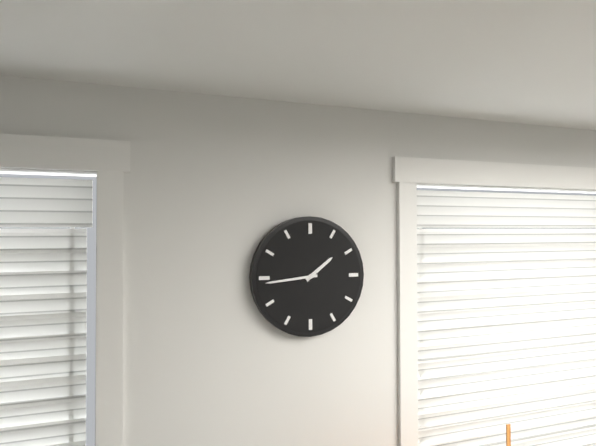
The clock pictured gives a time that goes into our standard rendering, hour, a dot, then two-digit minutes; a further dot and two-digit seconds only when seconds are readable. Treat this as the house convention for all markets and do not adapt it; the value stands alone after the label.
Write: 1.44
